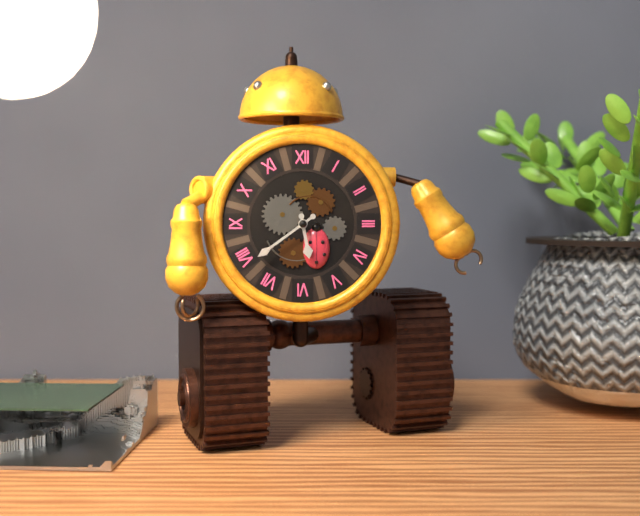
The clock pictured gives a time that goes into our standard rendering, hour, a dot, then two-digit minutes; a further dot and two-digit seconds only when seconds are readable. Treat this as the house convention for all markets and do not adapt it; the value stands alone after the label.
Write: 5.39
